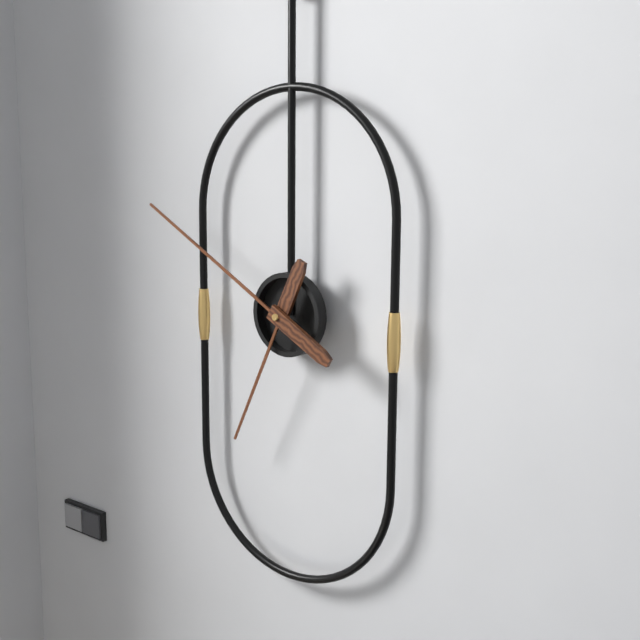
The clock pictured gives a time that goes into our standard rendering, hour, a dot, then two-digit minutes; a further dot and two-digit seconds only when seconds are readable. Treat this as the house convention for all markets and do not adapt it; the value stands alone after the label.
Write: 6.50
